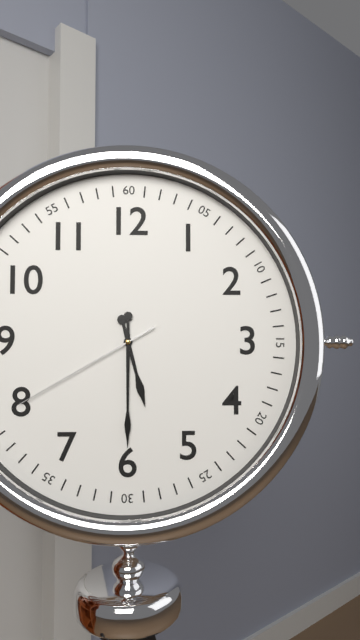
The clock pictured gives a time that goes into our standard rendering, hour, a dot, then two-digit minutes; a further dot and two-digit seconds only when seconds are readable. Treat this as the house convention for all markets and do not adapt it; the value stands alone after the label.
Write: 5.30.40
